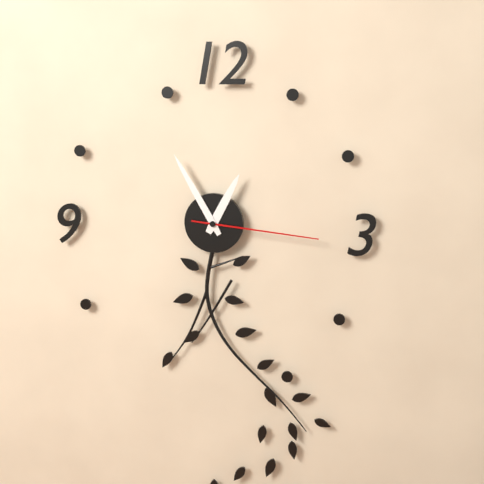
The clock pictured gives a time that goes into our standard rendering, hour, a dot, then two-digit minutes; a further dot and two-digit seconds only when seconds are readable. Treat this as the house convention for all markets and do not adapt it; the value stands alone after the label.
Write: 12.55.16
